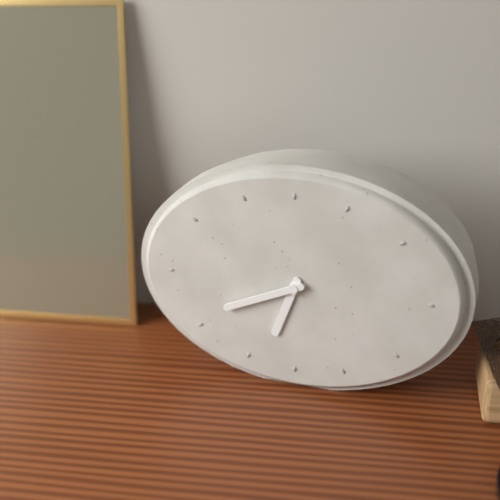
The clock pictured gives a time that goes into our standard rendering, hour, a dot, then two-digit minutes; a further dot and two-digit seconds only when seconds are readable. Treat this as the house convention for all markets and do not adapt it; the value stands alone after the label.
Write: 6.41
